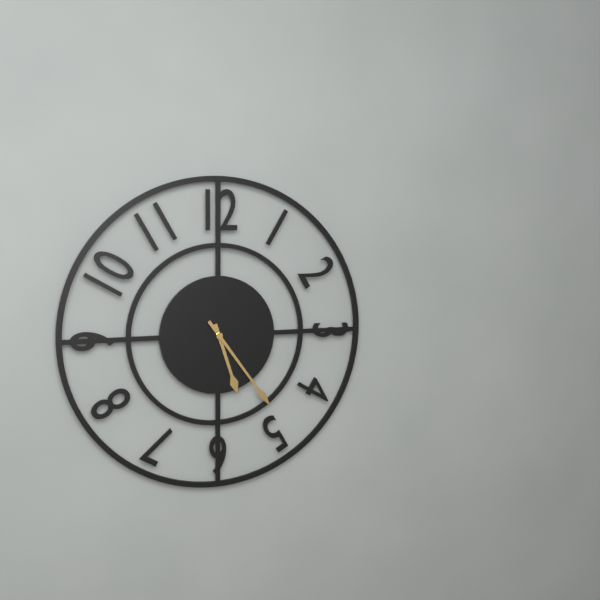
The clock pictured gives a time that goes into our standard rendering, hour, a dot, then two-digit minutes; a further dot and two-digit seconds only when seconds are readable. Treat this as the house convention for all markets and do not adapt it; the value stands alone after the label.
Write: 5.24
